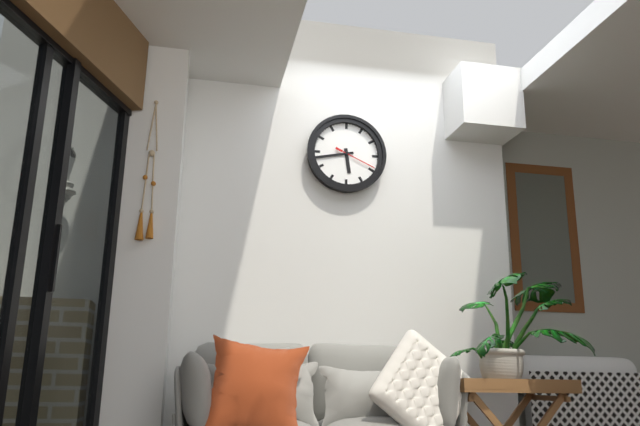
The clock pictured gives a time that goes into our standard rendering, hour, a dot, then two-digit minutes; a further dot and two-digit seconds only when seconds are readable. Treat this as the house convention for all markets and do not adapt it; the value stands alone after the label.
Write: 5.43
